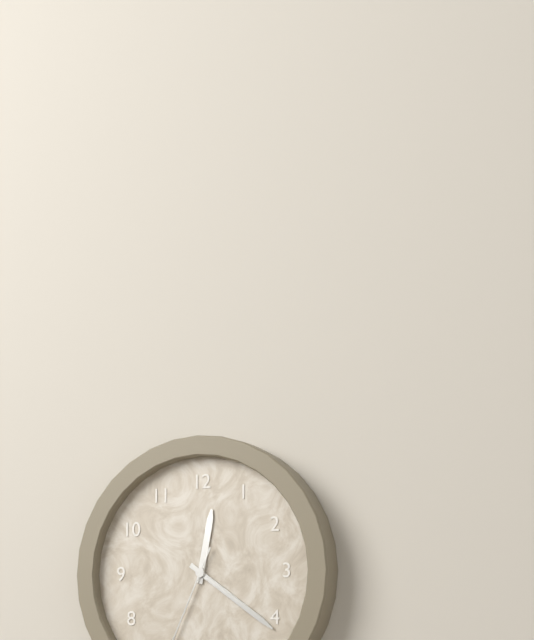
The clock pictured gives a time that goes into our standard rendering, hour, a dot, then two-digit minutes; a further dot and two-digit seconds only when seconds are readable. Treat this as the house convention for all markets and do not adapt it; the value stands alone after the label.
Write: 12.21
